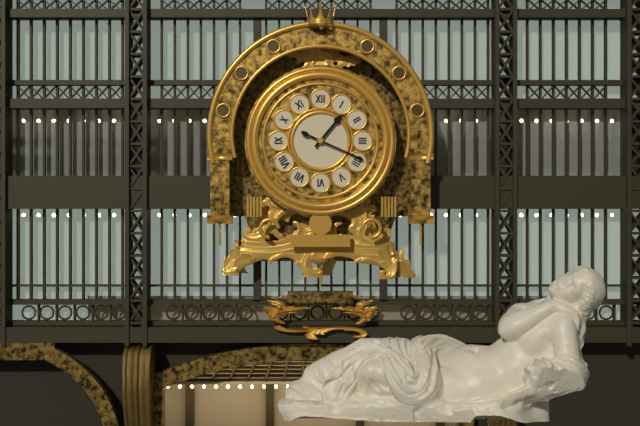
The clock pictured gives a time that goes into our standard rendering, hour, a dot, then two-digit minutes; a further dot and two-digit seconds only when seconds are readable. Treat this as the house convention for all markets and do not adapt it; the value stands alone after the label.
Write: 1.19
